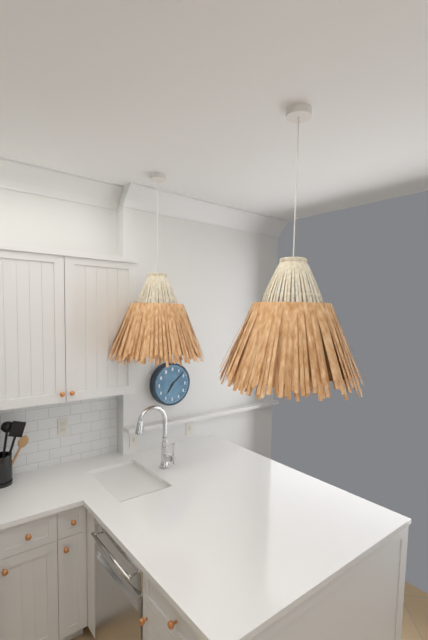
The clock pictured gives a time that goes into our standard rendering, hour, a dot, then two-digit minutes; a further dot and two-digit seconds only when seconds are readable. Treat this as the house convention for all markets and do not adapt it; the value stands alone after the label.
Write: 7.08
